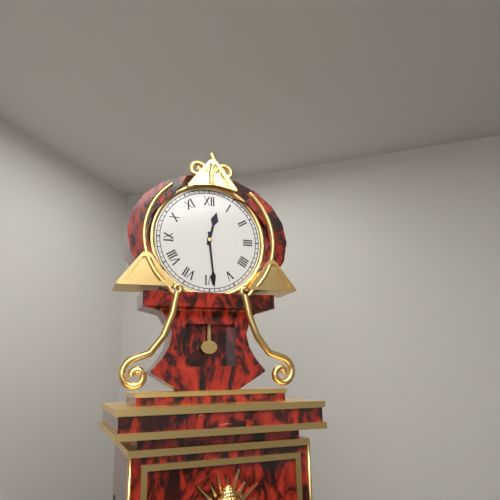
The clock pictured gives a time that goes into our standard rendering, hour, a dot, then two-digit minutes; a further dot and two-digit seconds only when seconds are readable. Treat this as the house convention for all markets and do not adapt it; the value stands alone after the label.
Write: 12.29
